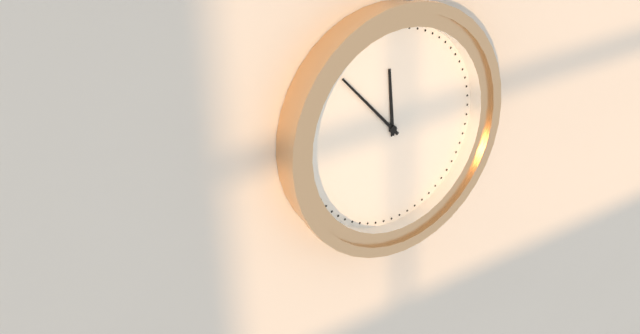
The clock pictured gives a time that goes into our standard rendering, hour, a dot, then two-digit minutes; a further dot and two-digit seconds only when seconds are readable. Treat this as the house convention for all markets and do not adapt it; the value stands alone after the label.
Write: 11.53
